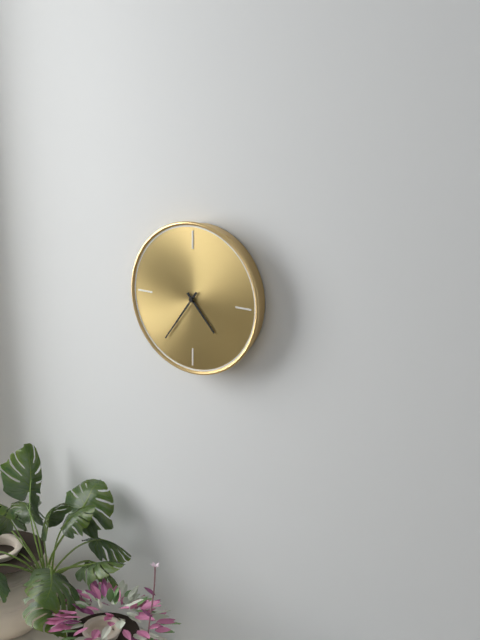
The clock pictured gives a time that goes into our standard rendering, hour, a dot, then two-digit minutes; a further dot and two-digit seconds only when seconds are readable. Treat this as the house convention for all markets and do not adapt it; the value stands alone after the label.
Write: 4.36
